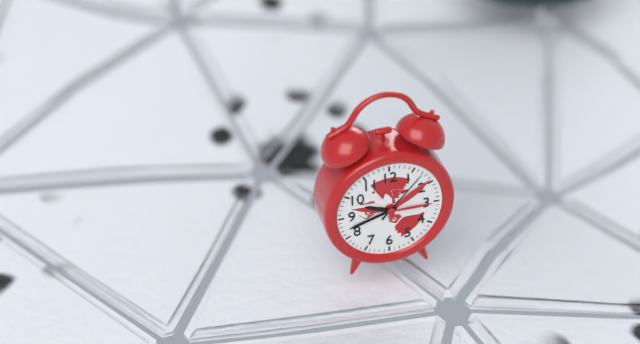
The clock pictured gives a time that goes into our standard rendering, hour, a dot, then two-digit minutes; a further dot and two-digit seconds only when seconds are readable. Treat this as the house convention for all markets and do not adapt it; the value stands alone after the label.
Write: 9.42.07
